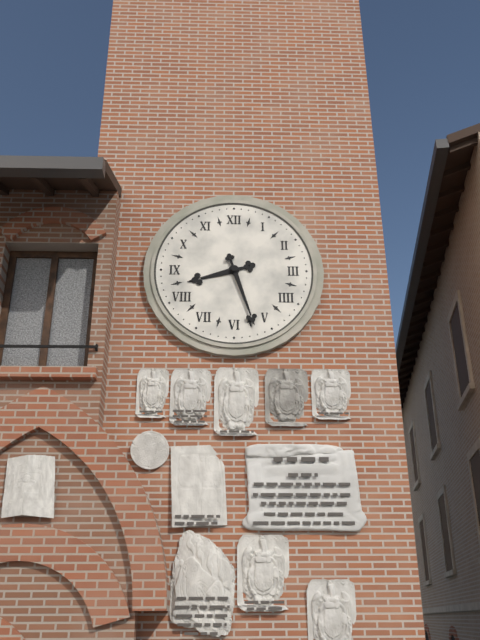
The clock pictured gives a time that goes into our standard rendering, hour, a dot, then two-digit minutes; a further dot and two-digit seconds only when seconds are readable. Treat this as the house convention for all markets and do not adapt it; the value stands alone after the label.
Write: 8.27
